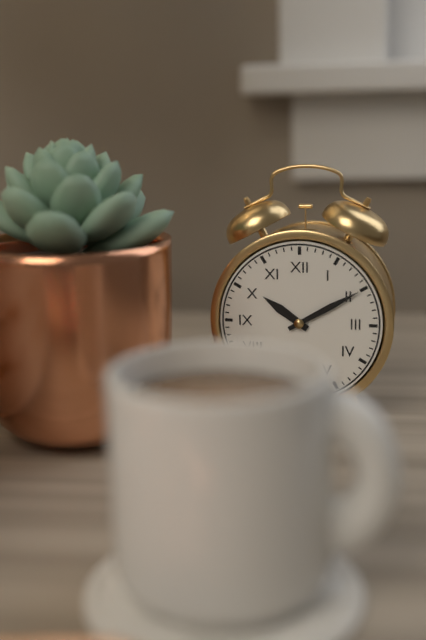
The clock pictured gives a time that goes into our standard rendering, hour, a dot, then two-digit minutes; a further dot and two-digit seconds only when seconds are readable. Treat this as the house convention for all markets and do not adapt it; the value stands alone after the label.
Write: 10.10
